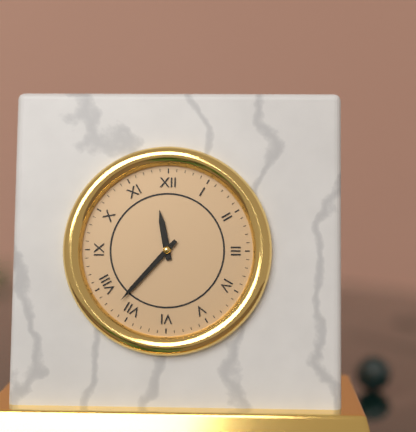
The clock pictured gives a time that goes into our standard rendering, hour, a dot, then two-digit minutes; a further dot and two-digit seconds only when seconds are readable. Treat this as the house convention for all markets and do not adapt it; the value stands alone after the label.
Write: 11.37
